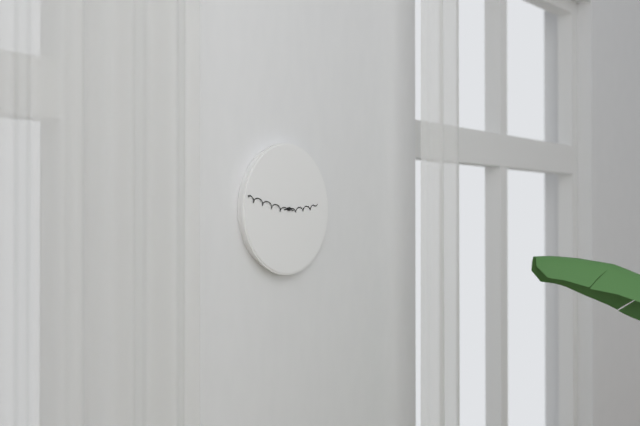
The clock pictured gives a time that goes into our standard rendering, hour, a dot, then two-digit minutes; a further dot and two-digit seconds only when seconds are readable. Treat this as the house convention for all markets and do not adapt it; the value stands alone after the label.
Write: 2.47
